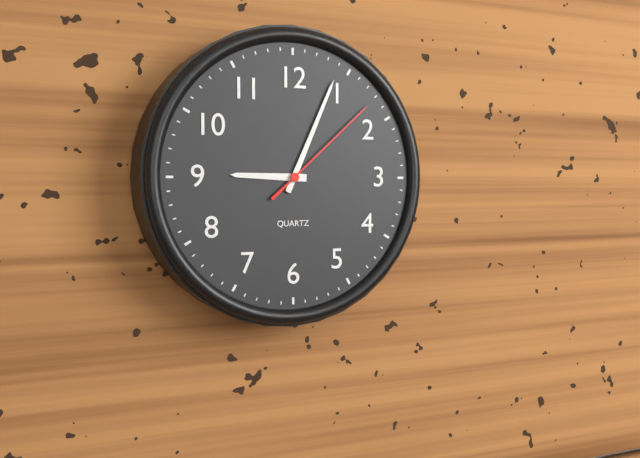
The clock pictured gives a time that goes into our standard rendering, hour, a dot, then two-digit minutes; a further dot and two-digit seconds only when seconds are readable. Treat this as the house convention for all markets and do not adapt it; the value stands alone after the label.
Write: 9.04.08
